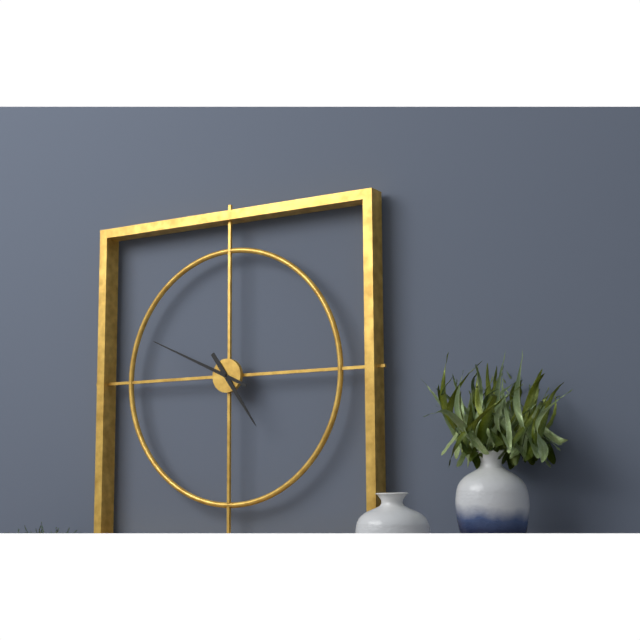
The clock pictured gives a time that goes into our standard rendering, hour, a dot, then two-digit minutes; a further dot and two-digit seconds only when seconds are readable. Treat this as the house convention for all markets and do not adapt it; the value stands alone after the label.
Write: 4.49
